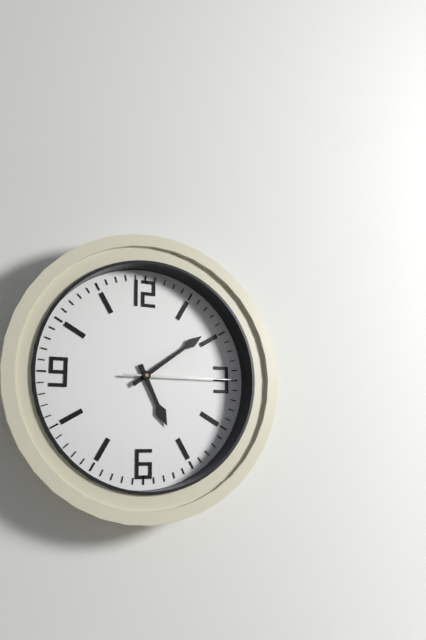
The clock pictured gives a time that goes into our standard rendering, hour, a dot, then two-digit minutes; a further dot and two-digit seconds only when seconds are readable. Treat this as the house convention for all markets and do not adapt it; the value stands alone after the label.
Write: 5.09.15
